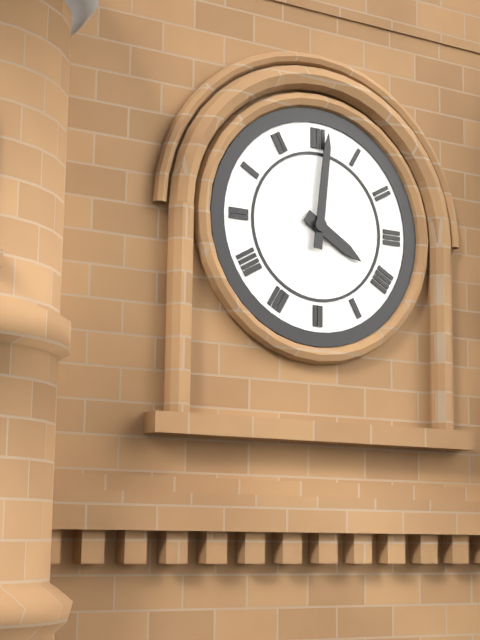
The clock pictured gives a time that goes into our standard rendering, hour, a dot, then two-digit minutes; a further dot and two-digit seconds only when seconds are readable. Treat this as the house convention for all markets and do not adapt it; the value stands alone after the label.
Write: 4.01
